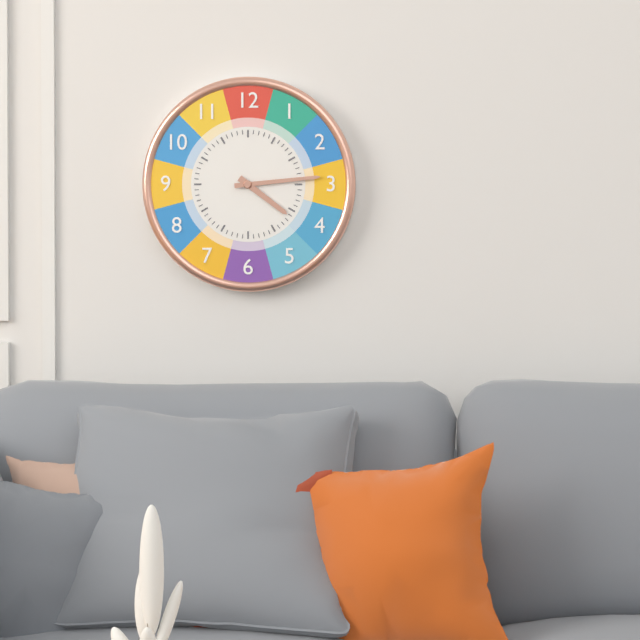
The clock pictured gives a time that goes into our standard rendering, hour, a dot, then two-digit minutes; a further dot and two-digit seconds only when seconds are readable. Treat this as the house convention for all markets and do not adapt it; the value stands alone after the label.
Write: 4.14
